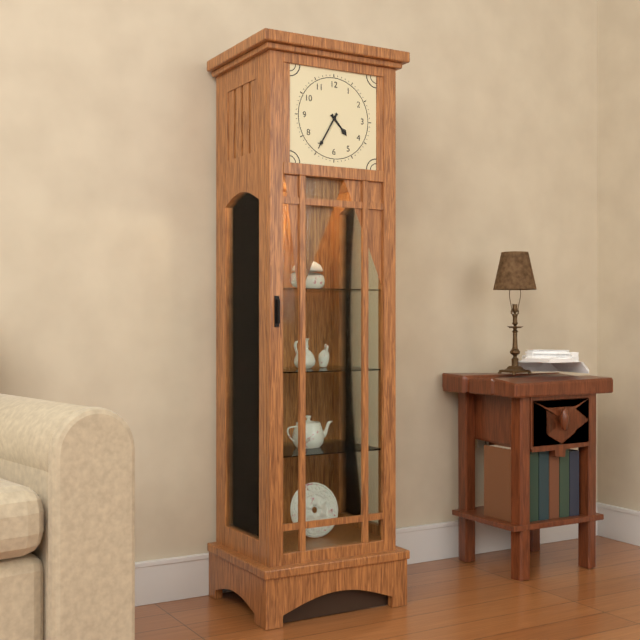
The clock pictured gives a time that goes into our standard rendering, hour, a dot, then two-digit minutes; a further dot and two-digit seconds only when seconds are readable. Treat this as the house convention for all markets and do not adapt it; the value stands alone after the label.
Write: 4.35
